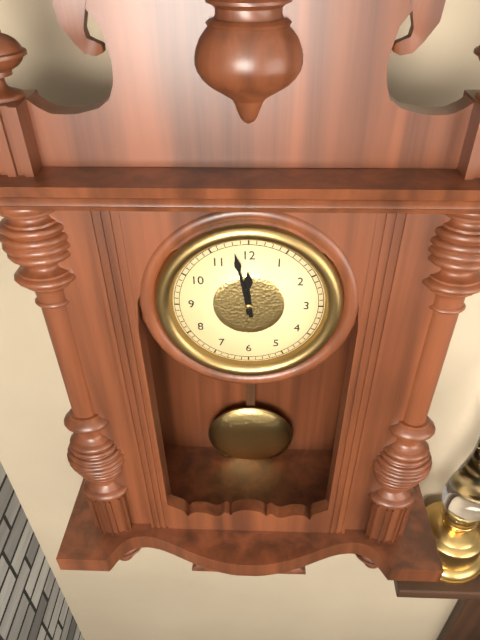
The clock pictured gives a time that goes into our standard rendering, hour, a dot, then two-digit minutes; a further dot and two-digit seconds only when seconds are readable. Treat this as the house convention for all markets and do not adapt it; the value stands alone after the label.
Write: 11.58
